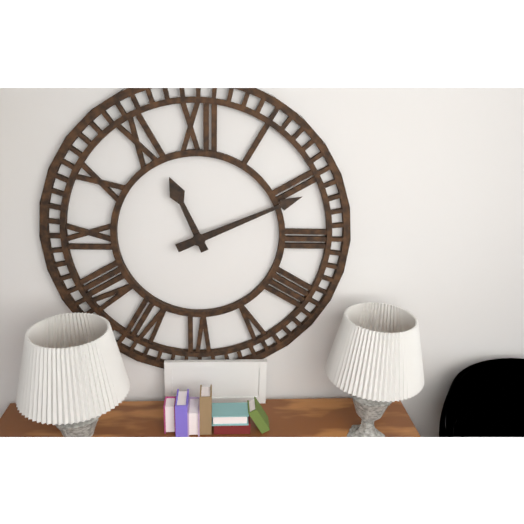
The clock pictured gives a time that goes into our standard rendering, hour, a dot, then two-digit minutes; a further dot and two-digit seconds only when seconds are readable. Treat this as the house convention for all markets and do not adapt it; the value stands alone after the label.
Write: 11.11
